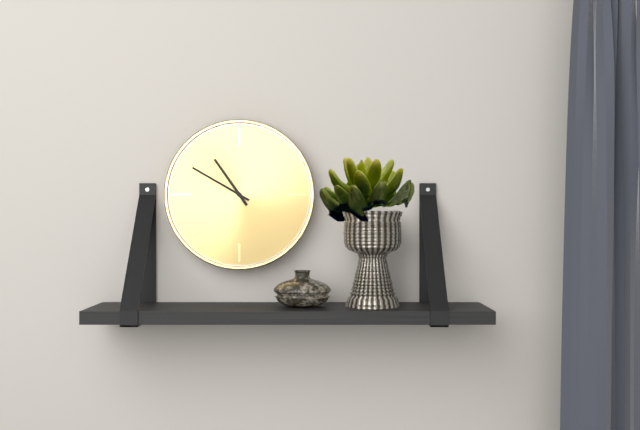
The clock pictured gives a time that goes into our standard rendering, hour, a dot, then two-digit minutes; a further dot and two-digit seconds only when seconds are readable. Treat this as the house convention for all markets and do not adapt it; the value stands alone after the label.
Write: 10.50
